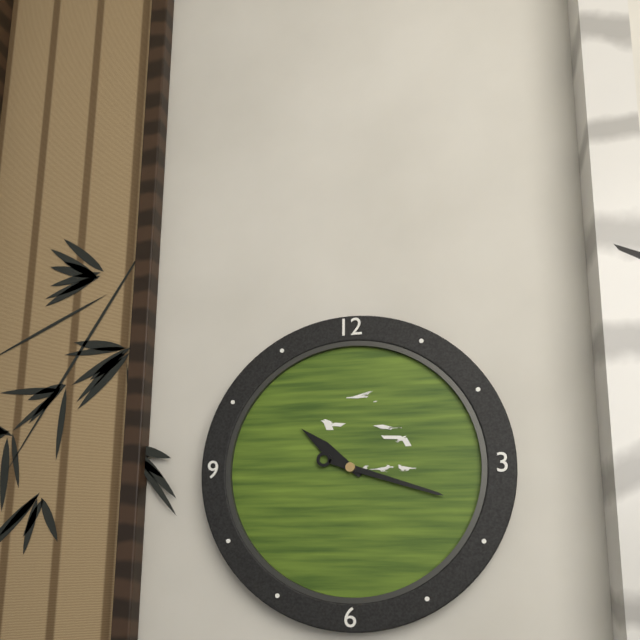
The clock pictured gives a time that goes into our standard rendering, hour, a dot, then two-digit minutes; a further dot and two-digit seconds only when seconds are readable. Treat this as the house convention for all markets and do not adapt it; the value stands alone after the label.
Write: 10.18
